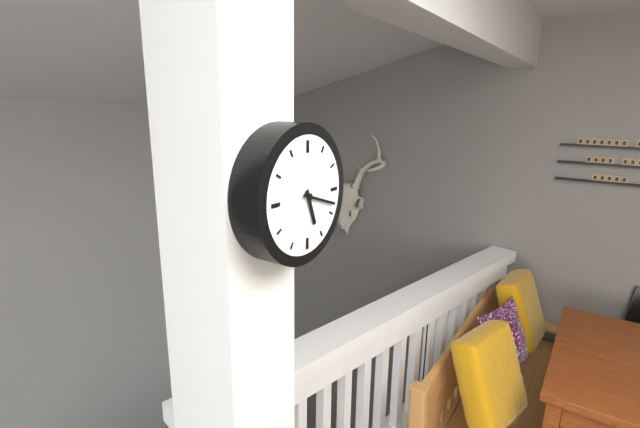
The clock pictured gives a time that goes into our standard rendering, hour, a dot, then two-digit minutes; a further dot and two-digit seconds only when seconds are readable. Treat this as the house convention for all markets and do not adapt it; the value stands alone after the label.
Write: 5.18
